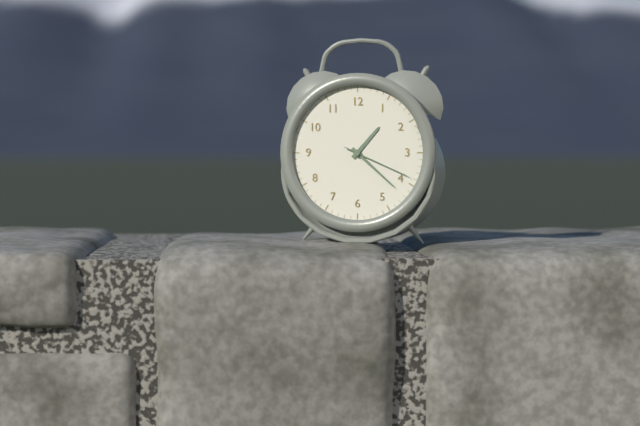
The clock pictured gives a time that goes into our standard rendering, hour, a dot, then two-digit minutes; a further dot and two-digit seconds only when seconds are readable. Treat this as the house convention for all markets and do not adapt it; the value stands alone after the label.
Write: 1.22.19
